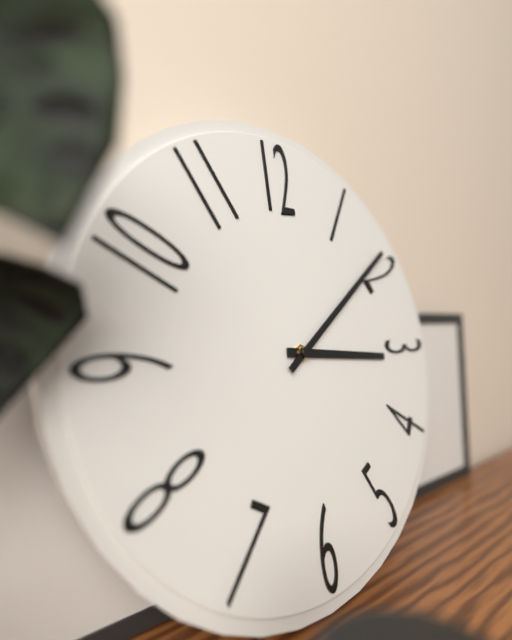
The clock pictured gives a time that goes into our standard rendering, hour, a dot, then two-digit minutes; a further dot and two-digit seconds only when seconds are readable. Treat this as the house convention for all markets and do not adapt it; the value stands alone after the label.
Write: 3.09
